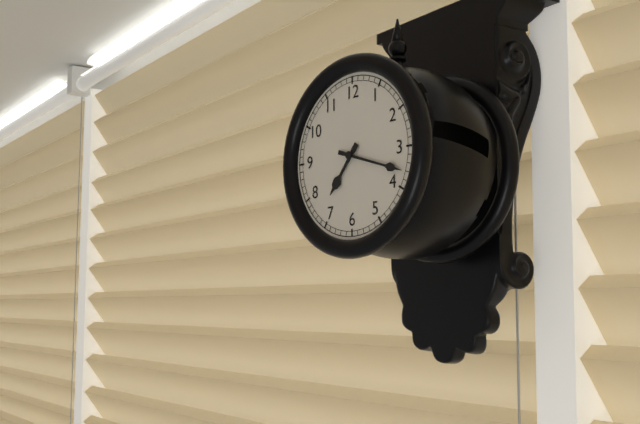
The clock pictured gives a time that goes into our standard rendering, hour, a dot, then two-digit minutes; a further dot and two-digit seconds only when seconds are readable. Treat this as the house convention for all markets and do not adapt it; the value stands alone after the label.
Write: 7.18
